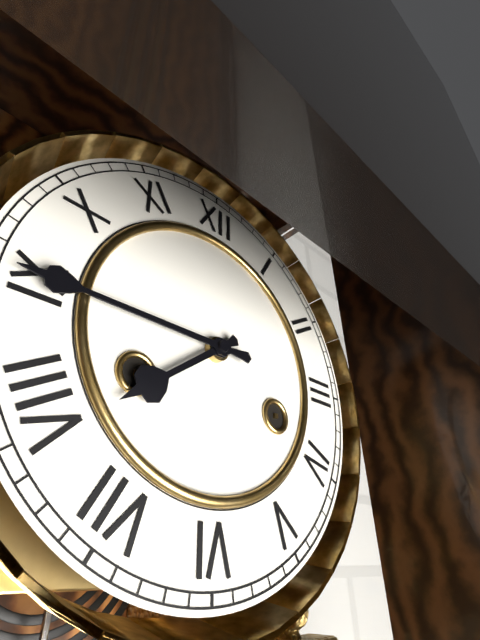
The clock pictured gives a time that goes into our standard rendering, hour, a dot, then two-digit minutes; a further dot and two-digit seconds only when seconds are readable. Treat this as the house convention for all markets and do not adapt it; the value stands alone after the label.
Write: 7.45
